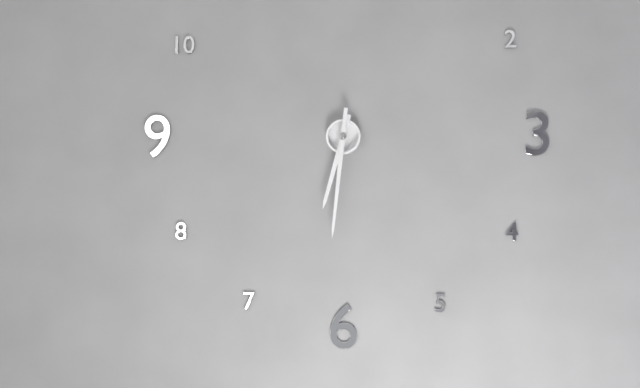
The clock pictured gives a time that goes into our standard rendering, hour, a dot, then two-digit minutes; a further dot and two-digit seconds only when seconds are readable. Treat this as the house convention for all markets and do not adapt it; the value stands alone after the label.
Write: 6.31
